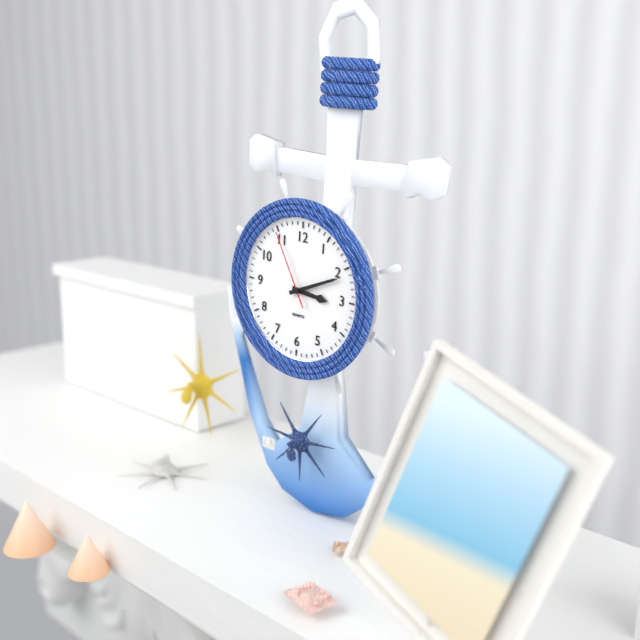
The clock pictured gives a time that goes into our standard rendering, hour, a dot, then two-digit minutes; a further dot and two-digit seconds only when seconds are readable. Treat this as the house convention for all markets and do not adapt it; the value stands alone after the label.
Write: 3.11.55
